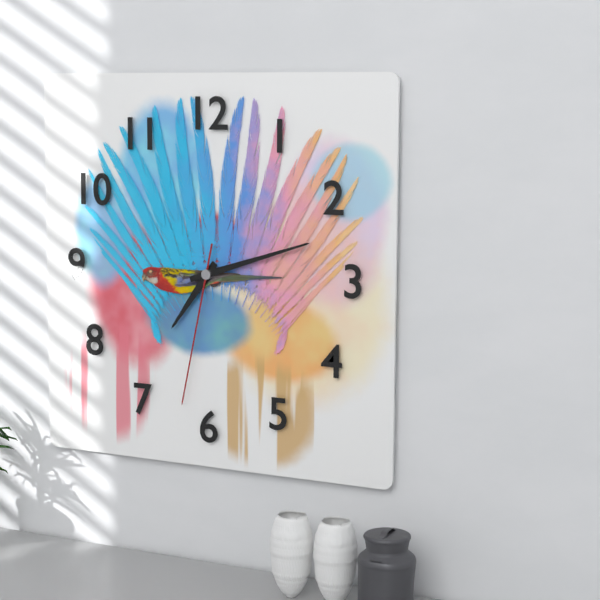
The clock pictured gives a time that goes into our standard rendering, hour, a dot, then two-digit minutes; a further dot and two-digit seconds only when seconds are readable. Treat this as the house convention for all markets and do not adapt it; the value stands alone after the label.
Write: 7.12.32
